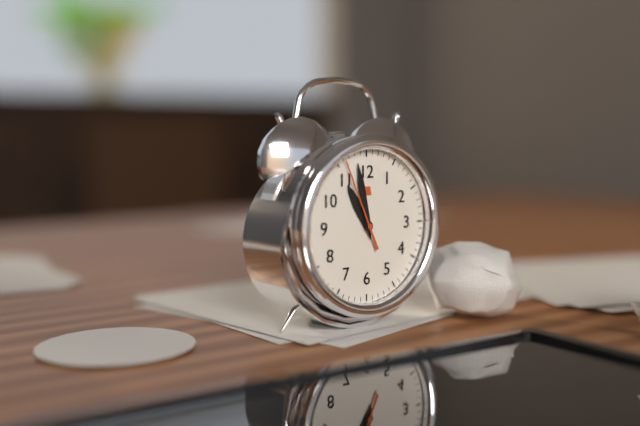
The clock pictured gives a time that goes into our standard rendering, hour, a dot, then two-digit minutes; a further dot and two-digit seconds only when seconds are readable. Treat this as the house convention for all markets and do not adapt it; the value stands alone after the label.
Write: 10.58.56
